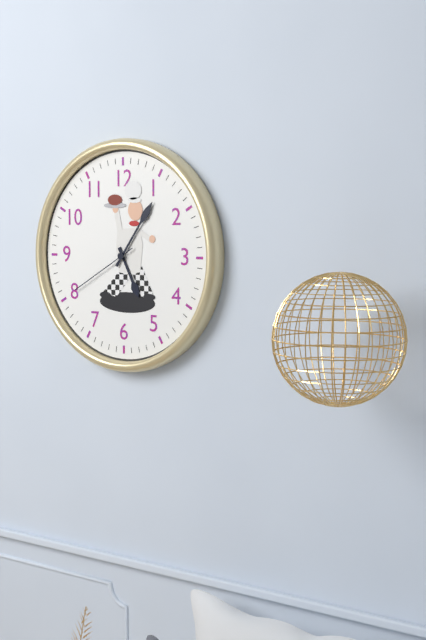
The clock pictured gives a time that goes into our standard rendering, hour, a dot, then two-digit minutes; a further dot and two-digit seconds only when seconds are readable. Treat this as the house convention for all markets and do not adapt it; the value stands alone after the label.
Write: 5.06.40
